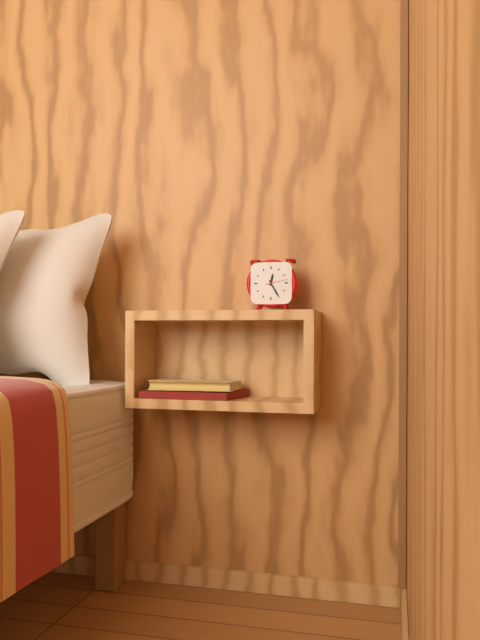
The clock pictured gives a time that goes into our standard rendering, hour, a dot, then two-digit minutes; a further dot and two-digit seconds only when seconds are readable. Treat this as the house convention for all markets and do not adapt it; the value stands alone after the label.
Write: 12.25
